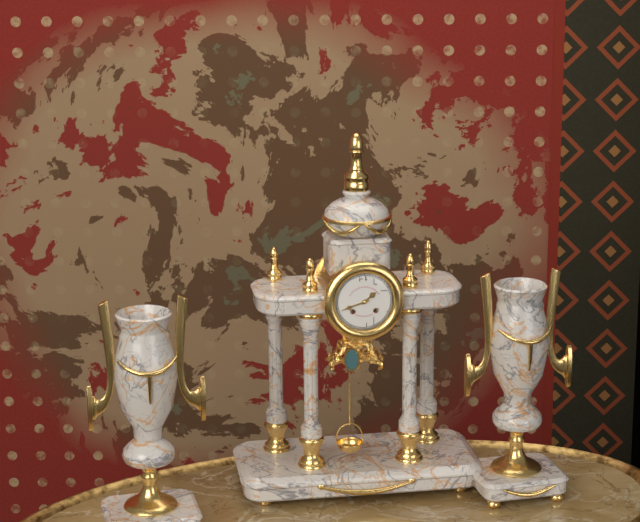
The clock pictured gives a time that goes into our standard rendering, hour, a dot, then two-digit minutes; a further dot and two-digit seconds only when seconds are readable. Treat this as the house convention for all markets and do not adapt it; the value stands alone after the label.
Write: 1.42
